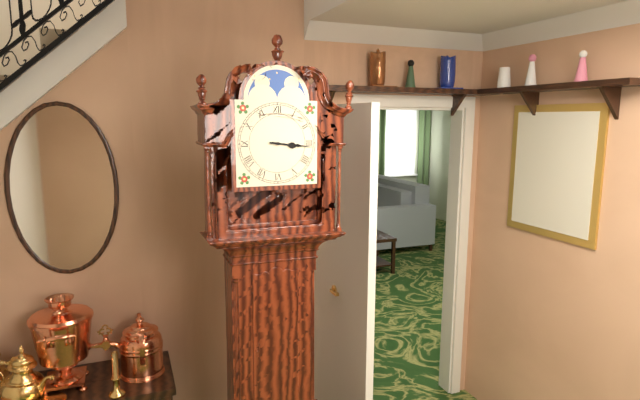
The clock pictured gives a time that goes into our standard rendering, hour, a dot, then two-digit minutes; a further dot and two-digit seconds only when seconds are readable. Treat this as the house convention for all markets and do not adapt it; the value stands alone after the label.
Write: 3.16
